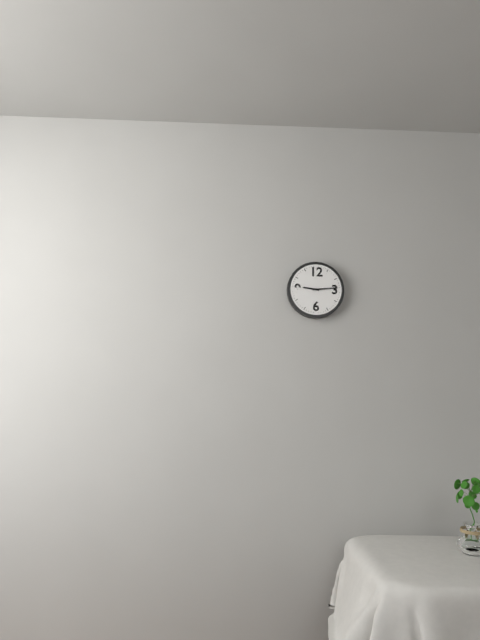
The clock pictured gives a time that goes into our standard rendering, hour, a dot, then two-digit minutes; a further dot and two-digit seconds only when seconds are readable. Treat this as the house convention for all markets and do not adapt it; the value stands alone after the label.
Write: 9.14
